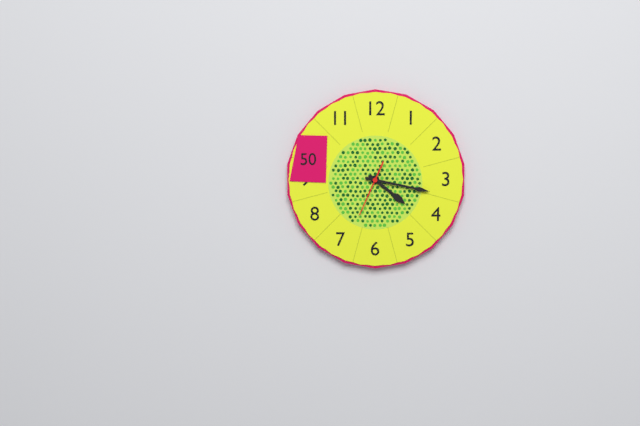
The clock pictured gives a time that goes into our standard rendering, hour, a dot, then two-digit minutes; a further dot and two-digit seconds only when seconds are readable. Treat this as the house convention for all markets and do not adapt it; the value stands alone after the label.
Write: 4.17
